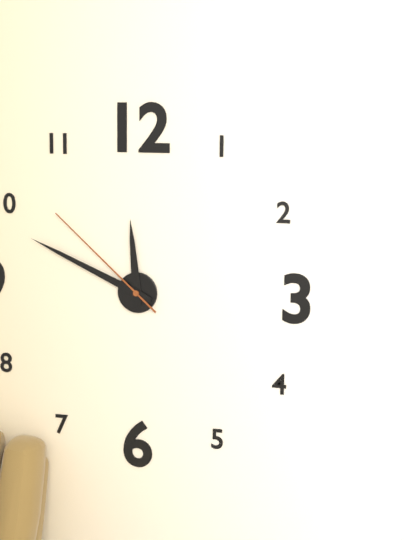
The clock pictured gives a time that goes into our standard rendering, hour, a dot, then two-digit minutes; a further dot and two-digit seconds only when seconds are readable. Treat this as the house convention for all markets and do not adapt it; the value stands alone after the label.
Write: 11.49.52
